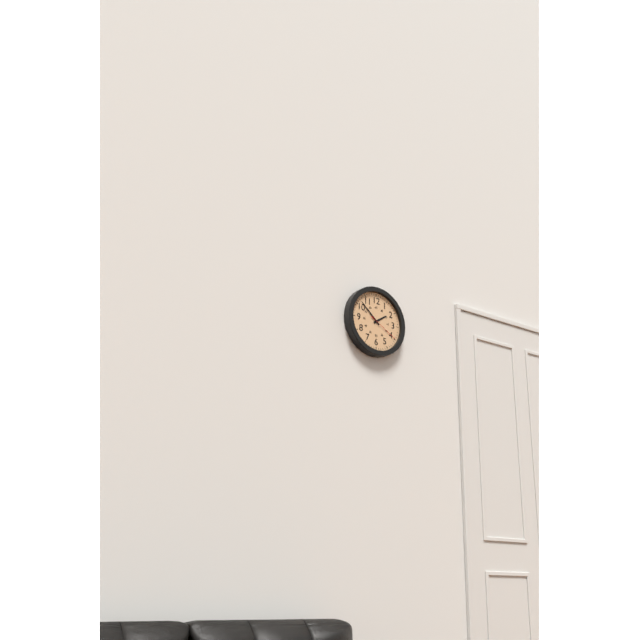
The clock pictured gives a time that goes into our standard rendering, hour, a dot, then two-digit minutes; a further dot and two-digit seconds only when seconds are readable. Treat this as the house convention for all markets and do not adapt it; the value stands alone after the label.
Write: 1.52
